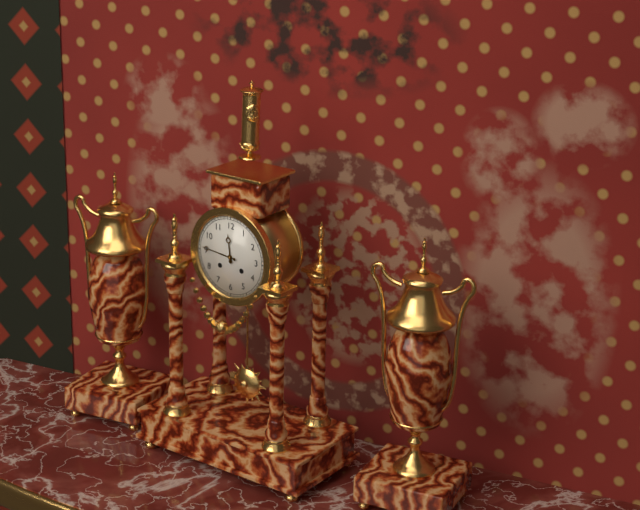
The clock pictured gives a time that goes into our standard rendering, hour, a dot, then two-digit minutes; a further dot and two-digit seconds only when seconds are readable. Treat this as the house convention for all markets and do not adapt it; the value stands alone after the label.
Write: 11.46
